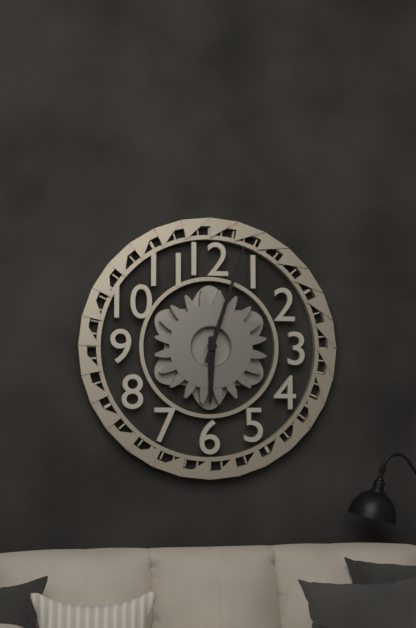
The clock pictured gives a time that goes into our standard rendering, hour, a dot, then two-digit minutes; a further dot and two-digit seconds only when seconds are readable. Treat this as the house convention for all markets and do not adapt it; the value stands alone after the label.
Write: 6.03
